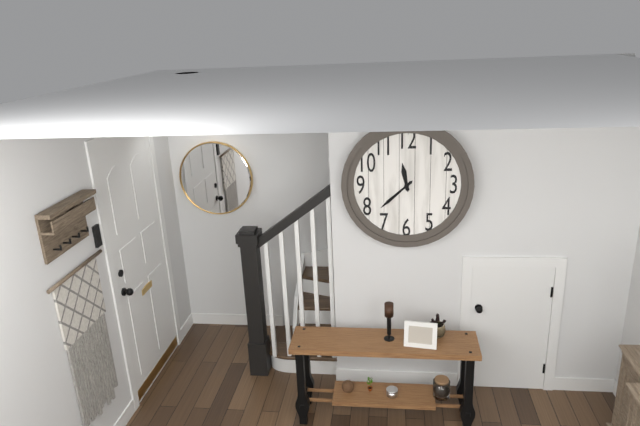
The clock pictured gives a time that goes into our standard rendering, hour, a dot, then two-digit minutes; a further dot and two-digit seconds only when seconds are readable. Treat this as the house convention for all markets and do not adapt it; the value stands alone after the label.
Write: 11.38
